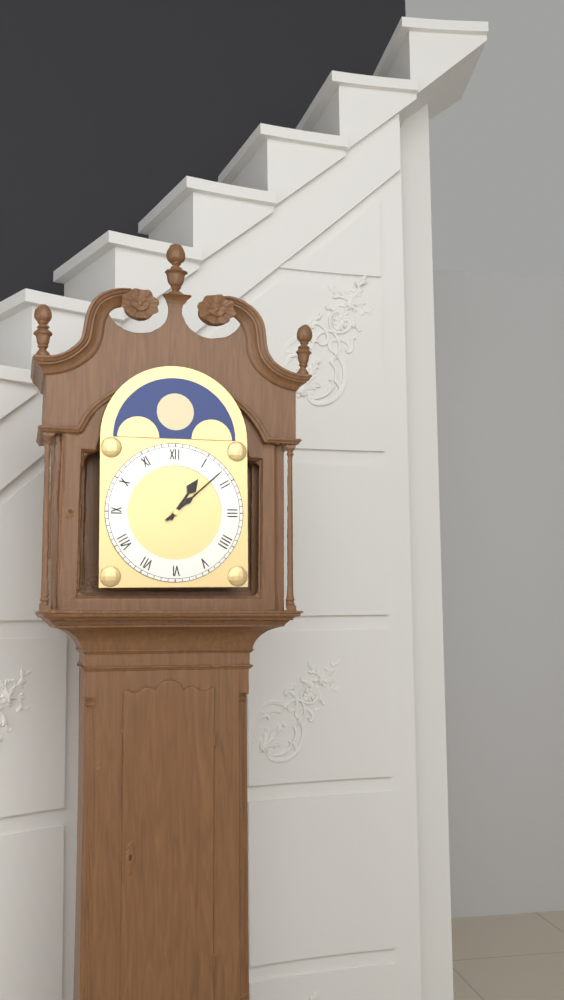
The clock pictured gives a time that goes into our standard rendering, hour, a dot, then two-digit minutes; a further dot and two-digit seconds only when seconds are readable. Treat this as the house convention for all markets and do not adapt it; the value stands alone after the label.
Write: 1.08
